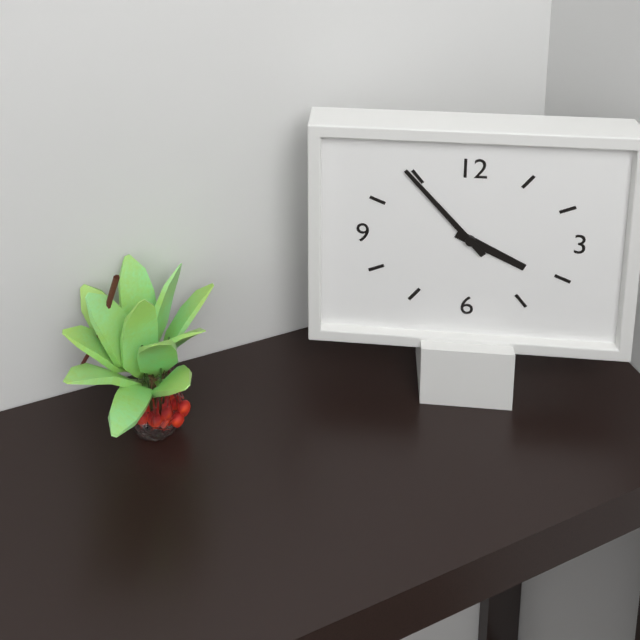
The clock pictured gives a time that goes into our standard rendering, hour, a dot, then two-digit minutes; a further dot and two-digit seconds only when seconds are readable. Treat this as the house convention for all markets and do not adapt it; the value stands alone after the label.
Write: 3.53
